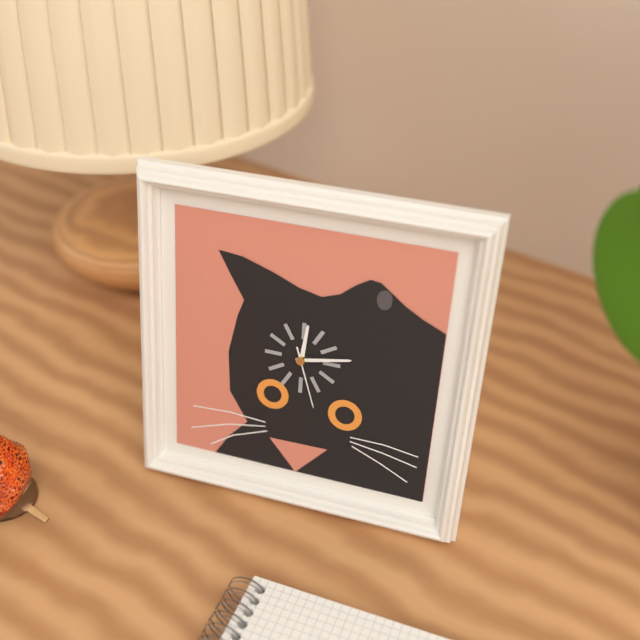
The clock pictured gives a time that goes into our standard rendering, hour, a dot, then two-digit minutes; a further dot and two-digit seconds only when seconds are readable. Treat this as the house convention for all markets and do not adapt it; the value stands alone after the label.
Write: 12.13.27
